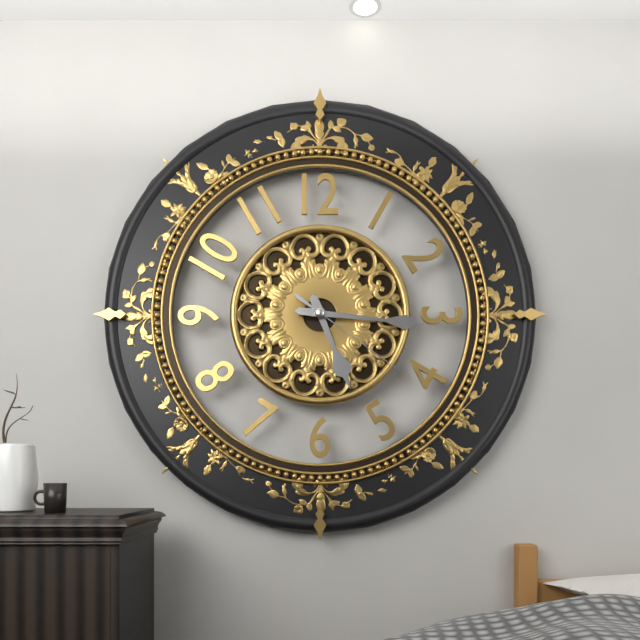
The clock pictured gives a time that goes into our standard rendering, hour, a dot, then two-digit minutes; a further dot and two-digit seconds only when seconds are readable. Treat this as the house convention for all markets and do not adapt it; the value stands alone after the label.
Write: 5.16.21
